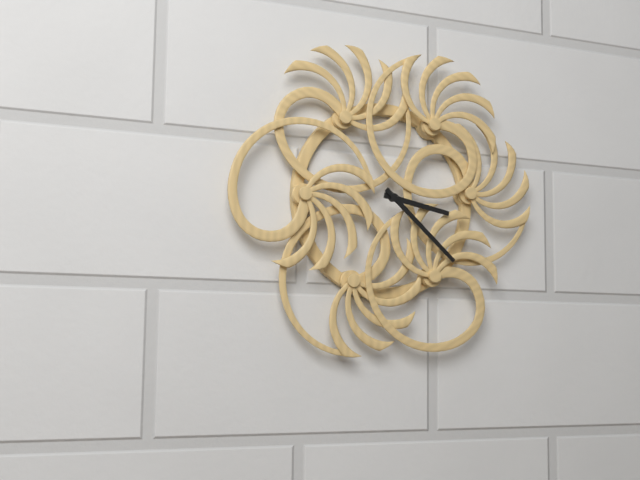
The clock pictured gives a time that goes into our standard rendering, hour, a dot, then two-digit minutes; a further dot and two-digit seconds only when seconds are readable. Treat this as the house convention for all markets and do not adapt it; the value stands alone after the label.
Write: 3.22
